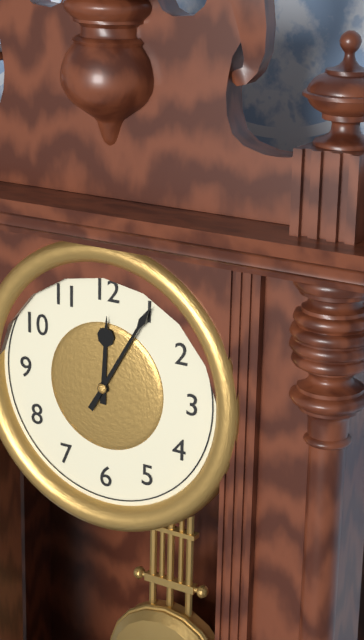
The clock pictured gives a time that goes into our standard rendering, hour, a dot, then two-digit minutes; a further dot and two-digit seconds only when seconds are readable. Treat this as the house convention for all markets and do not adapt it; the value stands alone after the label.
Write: 12.05
